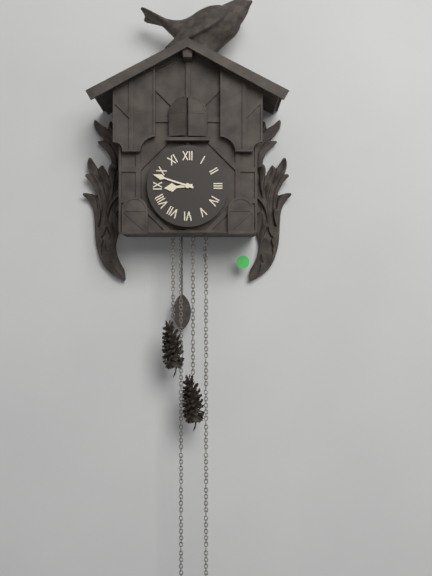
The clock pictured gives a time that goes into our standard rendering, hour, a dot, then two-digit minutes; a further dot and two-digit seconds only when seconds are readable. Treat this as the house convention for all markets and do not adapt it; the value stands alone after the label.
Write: 8.48
